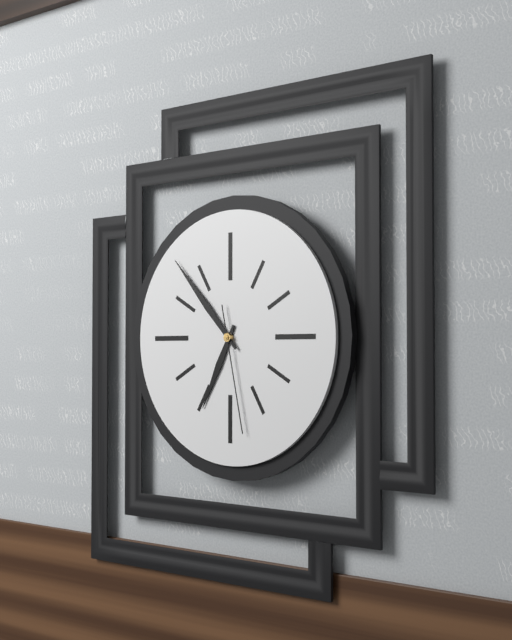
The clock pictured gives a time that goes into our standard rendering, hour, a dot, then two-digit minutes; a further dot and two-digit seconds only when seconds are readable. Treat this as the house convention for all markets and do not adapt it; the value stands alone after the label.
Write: 6.53.28
